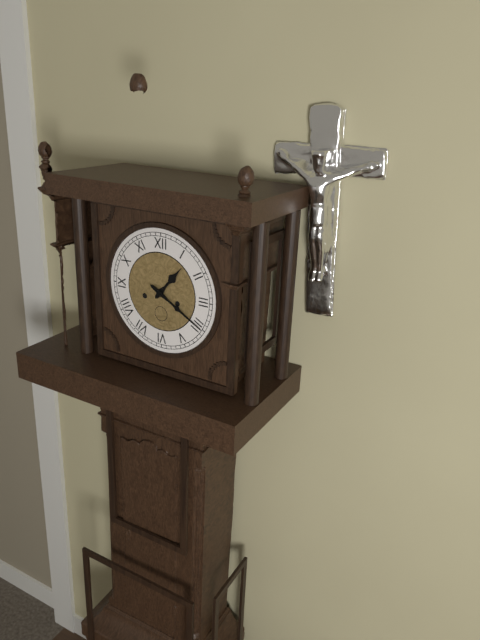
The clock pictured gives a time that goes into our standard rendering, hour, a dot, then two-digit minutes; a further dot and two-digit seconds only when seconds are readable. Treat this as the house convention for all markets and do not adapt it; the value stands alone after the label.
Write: 1.20
